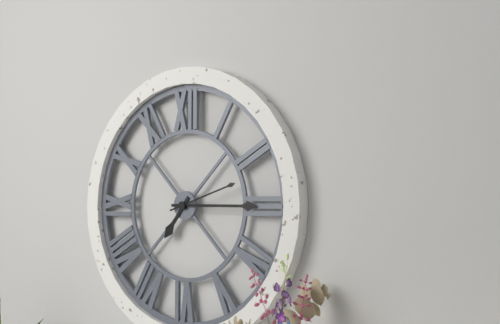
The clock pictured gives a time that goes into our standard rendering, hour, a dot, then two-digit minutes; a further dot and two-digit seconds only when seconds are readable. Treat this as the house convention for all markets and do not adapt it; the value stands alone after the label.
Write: 7.15.12
